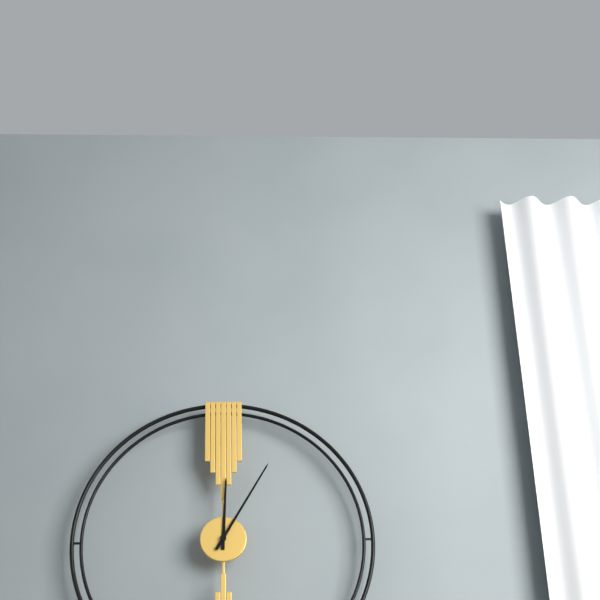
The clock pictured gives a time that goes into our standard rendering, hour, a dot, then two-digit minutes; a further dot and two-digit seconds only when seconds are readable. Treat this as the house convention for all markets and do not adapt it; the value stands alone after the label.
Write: 12.05
